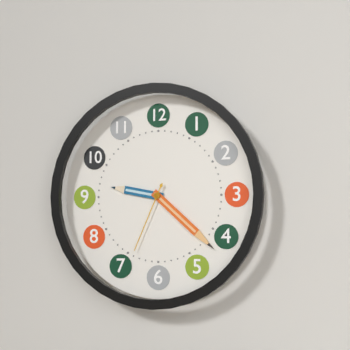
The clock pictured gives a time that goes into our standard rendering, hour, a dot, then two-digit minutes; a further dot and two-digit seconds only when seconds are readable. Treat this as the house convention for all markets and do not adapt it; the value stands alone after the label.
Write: 9.22.34
